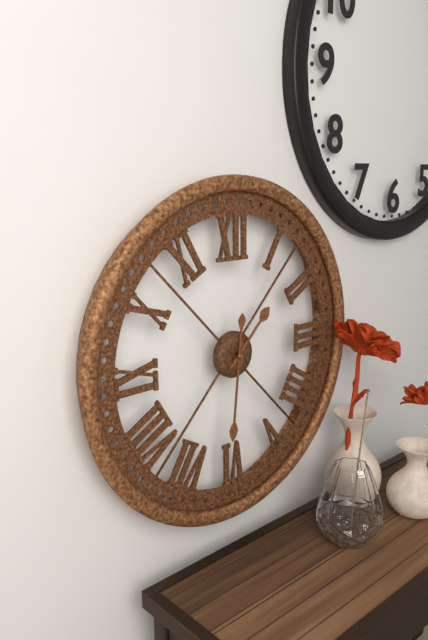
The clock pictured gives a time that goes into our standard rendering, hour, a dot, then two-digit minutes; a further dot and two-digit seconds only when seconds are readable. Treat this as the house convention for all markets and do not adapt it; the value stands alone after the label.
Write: 1.31
